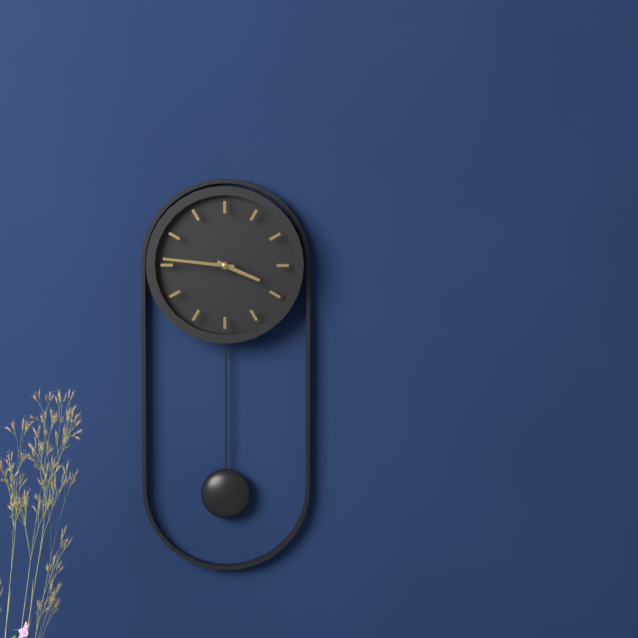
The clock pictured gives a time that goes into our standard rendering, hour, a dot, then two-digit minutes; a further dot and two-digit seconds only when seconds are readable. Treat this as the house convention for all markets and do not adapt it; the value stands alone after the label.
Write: 3.46
